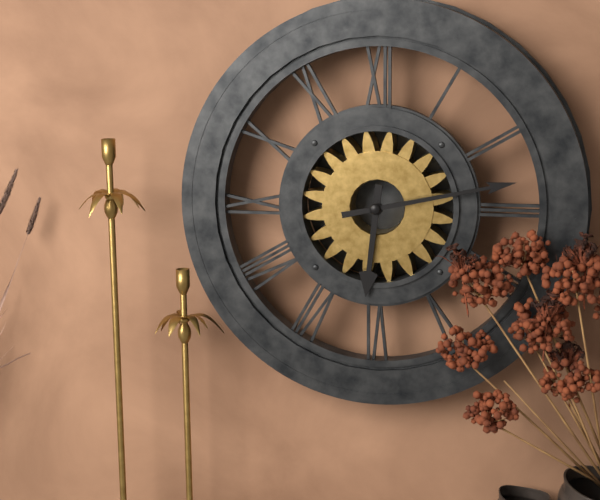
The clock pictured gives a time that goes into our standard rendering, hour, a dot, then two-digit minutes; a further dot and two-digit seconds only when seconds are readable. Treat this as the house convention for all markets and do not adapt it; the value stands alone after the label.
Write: 6.13
